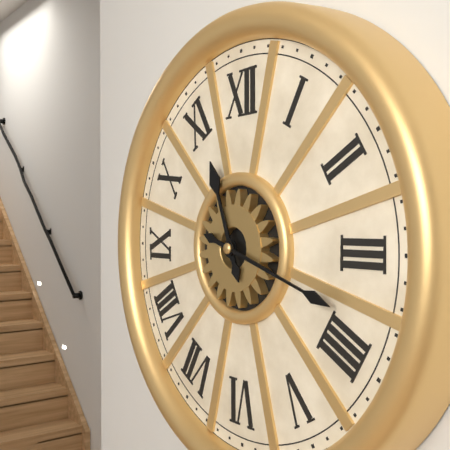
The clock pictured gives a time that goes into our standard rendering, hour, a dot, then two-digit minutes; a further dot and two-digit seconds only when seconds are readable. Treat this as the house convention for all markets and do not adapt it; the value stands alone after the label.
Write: 11.18
